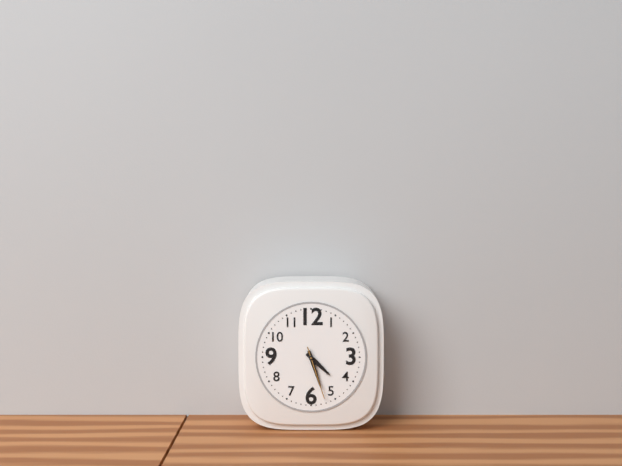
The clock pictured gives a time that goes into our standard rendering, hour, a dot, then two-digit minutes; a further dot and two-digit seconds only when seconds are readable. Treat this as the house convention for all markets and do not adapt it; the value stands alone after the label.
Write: 4.27.27
